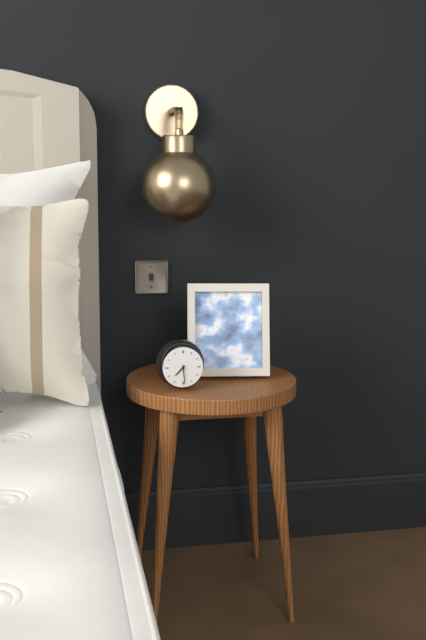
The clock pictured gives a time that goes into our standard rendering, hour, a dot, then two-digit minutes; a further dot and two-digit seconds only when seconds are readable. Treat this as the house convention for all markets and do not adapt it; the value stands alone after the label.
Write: 7.29
